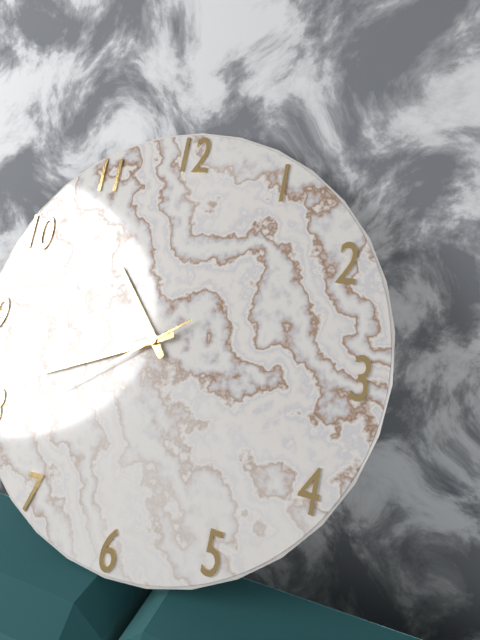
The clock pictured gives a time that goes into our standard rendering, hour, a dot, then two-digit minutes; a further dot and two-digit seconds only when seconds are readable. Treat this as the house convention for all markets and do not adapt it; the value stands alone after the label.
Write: 10.41.39
